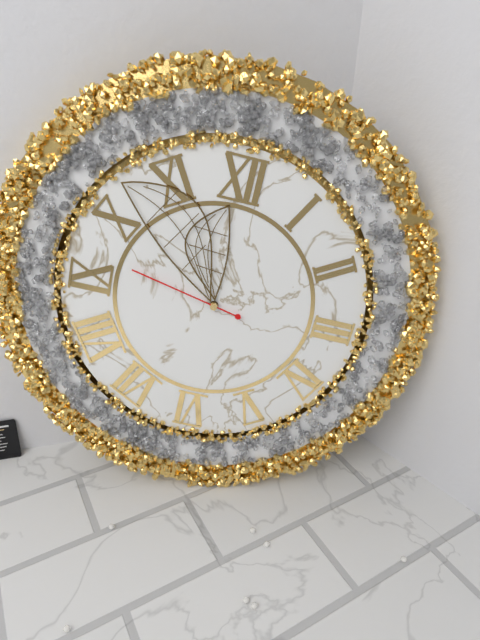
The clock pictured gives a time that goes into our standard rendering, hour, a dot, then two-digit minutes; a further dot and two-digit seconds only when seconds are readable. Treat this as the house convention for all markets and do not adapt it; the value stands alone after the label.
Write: 11.52.47
